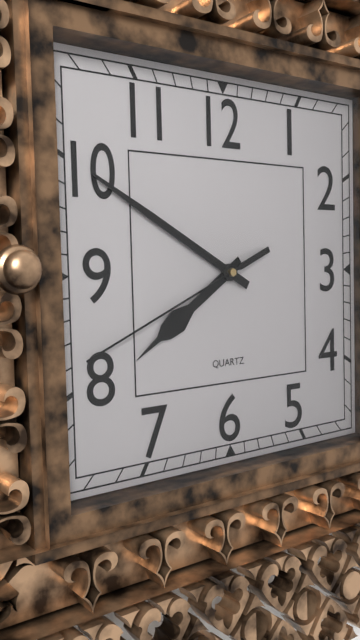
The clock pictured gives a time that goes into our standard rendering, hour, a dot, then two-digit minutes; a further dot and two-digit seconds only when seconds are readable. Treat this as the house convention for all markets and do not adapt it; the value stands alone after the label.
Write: 7.50.41
